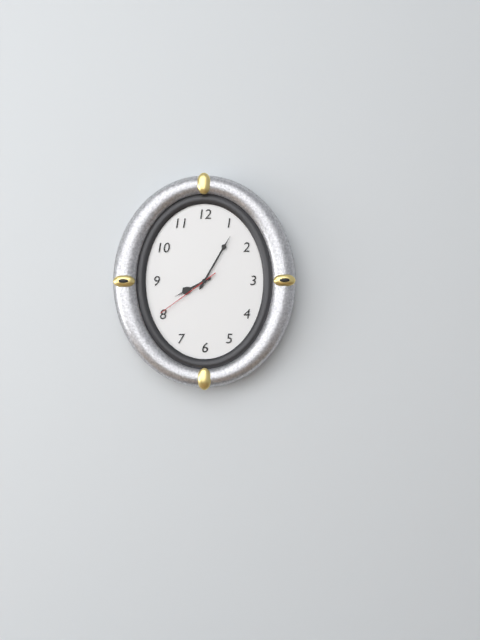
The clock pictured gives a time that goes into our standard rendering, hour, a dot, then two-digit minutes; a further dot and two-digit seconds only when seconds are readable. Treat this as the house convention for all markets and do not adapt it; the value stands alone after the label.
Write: 8.05.39
